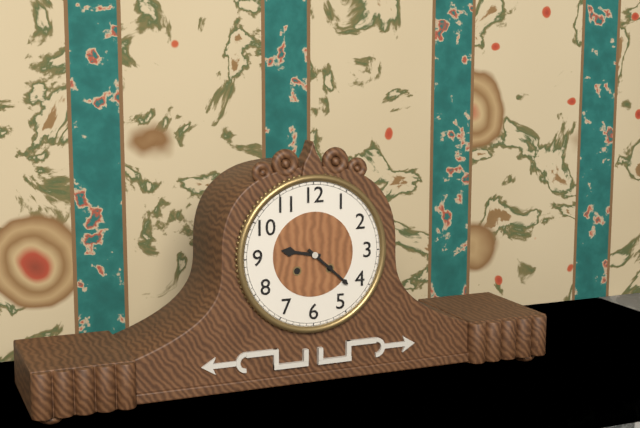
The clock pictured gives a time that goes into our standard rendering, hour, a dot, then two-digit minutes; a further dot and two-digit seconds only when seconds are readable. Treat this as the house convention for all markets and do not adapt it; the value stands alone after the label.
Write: 9.22
